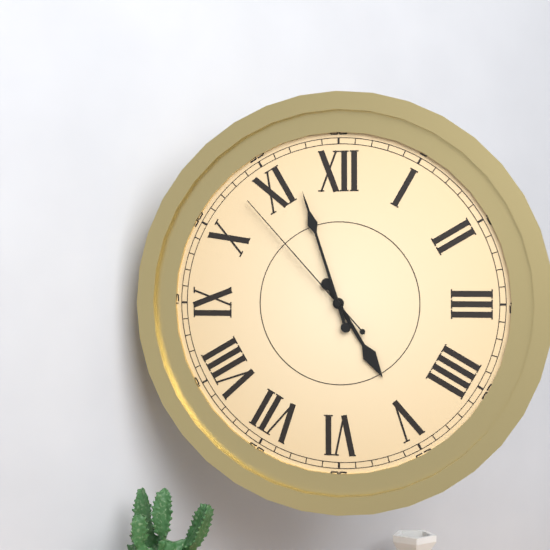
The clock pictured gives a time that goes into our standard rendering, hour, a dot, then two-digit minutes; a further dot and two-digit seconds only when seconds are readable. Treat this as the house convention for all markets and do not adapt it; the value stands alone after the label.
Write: 4.57.53
